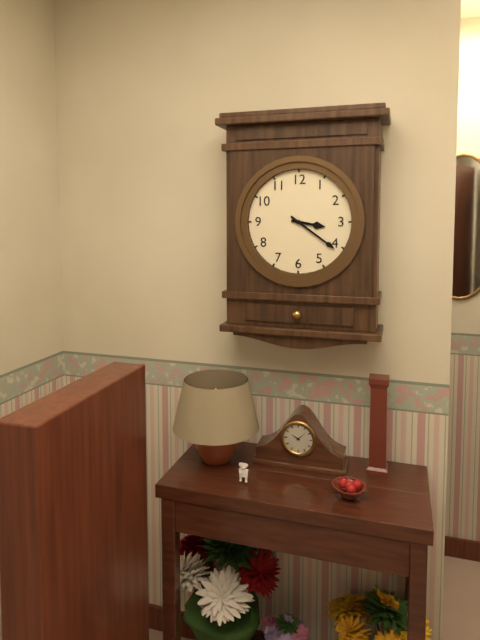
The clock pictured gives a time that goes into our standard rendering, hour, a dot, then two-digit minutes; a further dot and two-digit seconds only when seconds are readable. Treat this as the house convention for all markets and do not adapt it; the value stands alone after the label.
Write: 3.21
